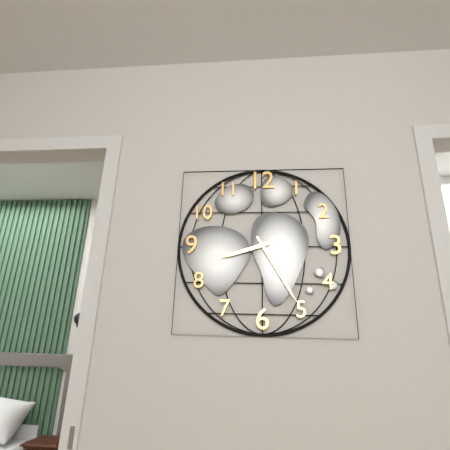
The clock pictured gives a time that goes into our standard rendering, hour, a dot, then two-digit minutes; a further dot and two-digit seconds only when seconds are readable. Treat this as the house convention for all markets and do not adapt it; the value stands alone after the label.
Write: 8.25
